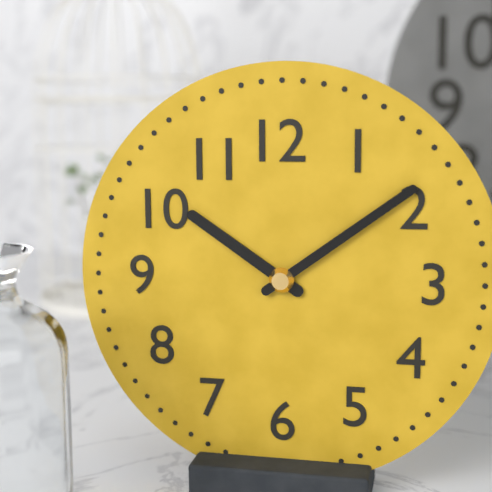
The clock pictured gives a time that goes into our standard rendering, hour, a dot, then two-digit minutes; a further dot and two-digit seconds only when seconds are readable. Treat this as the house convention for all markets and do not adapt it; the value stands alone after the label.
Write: 10.09
